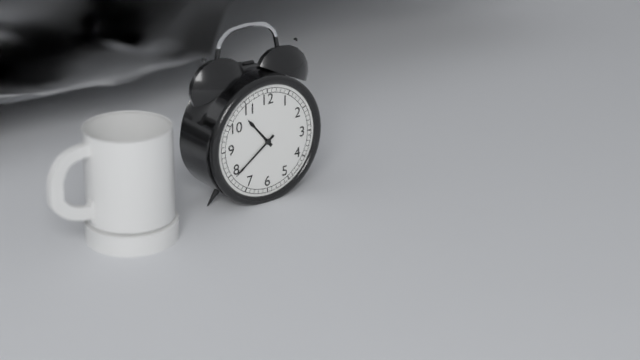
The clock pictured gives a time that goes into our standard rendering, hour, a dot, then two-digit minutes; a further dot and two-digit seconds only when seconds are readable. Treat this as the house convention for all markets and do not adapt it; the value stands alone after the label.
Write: 10.39
